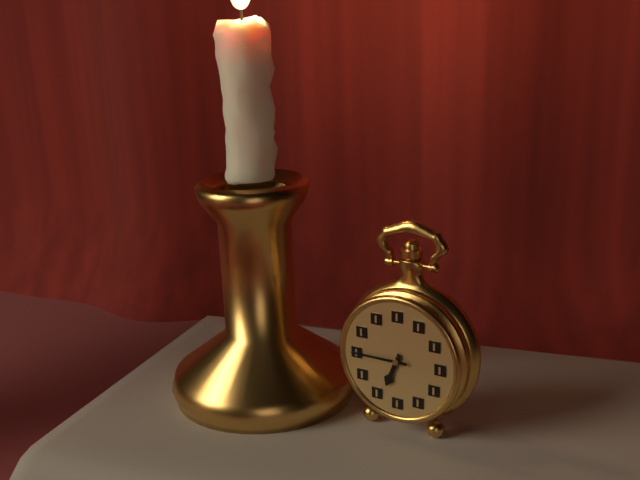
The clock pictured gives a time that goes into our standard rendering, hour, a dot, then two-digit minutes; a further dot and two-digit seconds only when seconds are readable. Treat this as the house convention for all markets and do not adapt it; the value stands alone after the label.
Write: 6.45
